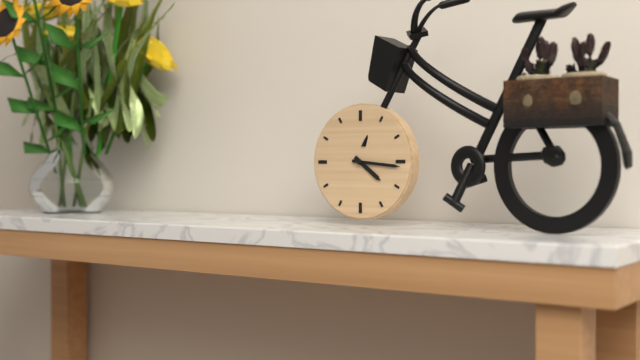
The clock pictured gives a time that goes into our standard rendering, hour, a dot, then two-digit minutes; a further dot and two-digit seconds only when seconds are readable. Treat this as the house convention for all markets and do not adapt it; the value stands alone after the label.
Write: 4.16
